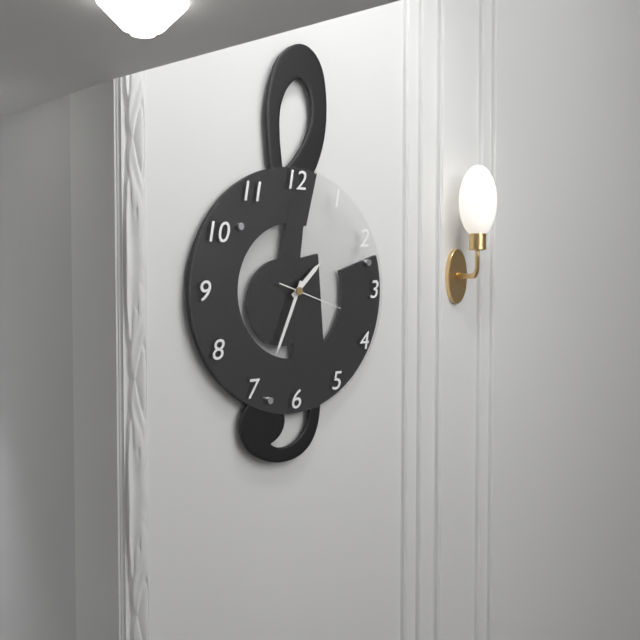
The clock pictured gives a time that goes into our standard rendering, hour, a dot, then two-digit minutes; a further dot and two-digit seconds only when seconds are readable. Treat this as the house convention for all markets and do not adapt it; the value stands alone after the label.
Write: 1.34.18
